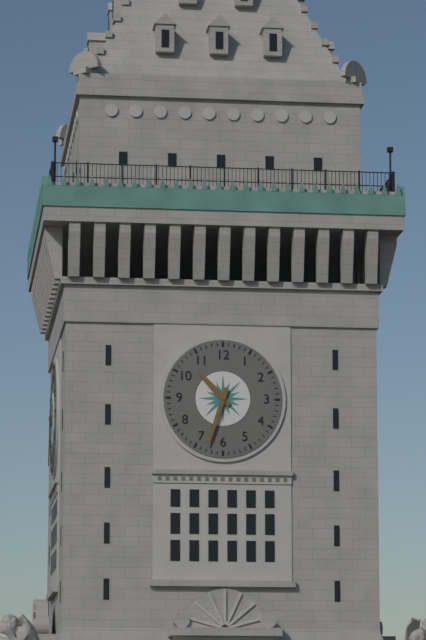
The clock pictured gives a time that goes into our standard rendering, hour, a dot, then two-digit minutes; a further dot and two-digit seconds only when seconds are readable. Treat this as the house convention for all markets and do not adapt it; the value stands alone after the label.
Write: 10.33
